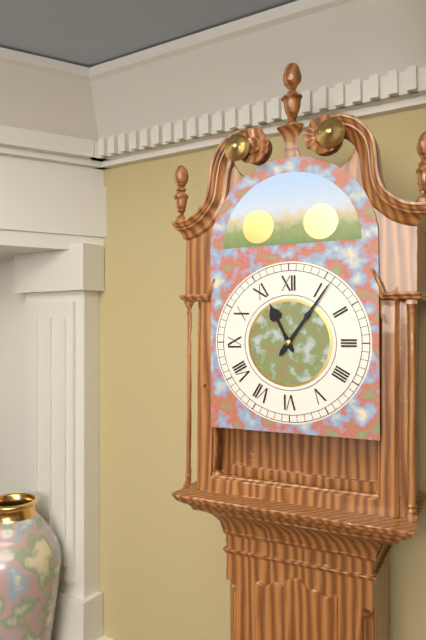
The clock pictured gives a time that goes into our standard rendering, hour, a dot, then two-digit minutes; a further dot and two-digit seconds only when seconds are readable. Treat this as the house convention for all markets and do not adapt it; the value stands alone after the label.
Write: 11.06
